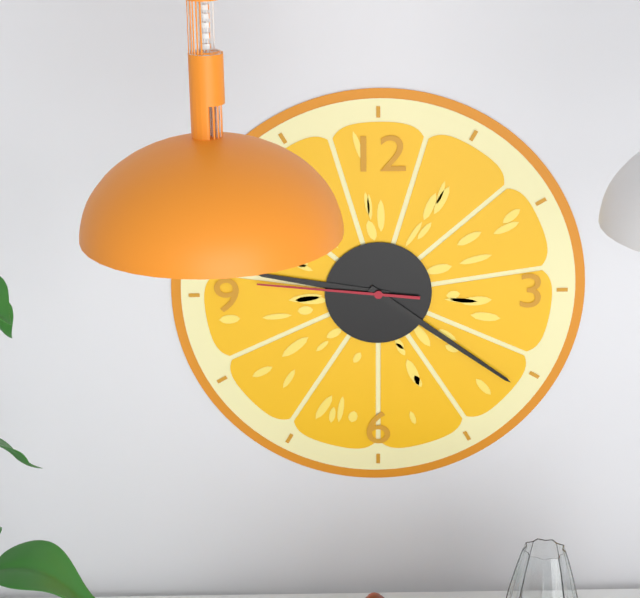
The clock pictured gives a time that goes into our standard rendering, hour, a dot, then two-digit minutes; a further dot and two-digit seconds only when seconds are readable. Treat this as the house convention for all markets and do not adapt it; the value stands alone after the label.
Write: 9.21.46
